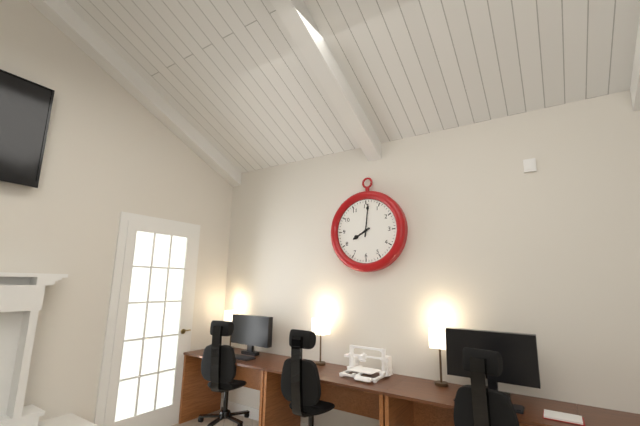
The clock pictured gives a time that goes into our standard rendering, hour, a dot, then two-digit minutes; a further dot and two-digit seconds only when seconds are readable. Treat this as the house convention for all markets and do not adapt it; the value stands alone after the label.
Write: 8.01
